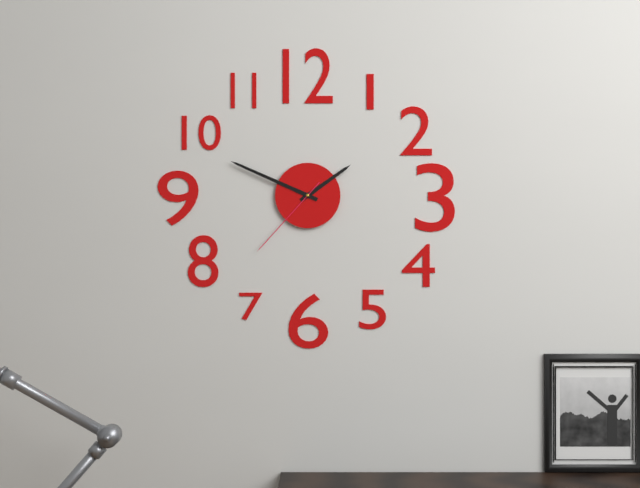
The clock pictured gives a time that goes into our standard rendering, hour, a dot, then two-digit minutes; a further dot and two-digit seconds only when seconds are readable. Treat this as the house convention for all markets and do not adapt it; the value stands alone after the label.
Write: 1.49.37
